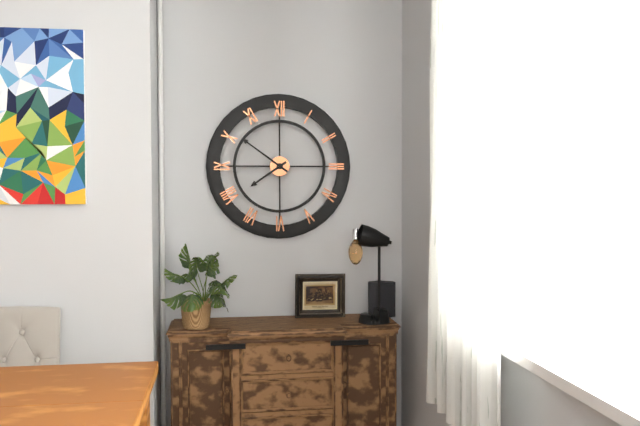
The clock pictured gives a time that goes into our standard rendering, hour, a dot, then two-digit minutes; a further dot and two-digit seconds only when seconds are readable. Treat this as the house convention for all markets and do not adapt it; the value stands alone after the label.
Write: 7.51
